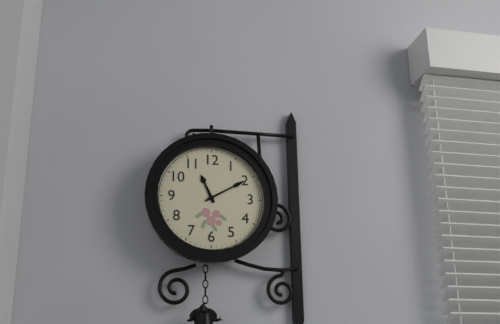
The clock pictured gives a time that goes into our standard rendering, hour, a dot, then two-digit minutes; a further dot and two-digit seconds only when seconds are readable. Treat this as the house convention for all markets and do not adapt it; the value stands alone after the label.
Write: 11.10
